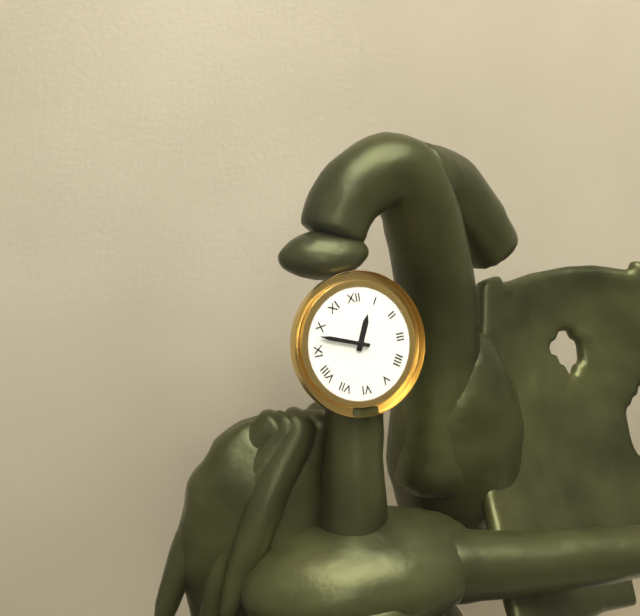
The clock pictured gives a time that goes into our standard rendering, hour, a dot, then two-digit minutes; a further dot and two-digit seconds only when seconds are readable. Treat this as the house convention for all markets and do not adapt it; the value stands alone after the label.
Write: 12.48
